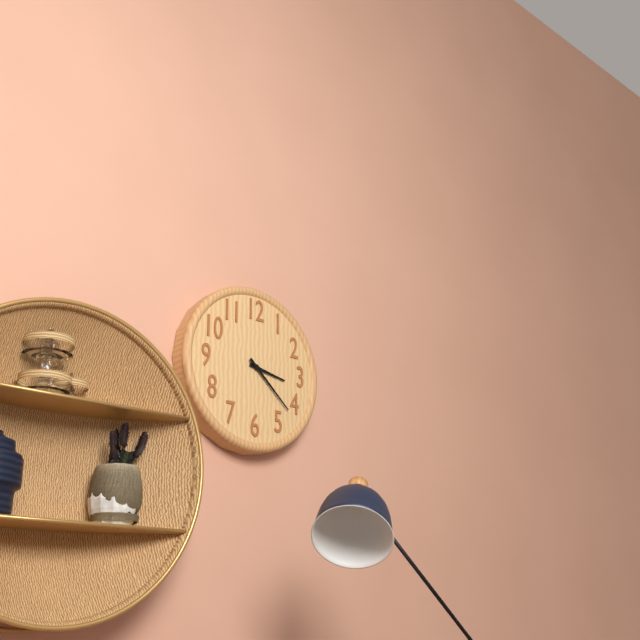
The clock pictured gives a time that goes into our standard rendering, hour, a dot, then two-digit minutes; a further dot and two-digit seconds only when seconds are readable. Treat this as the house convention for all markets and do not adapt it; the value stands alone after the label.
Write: 3.22
